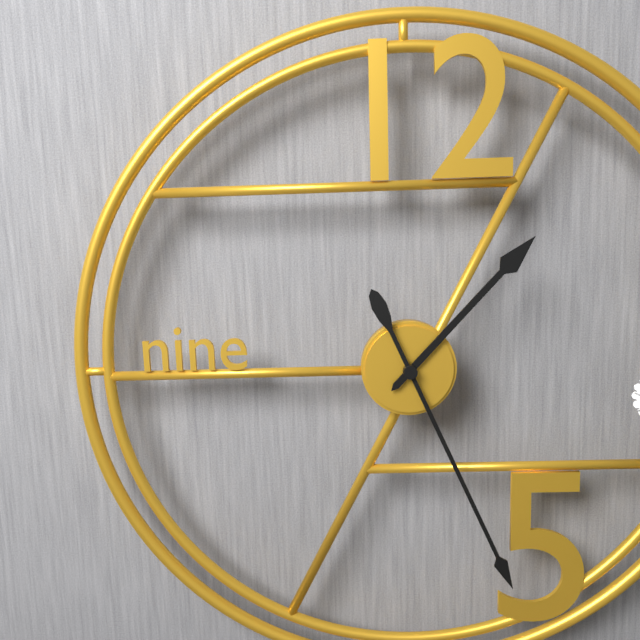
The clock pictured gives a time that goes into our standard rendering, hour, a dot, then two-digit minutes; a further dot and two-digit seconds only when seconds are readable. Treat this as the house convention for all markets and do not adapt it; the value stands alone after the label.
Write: 1.26
